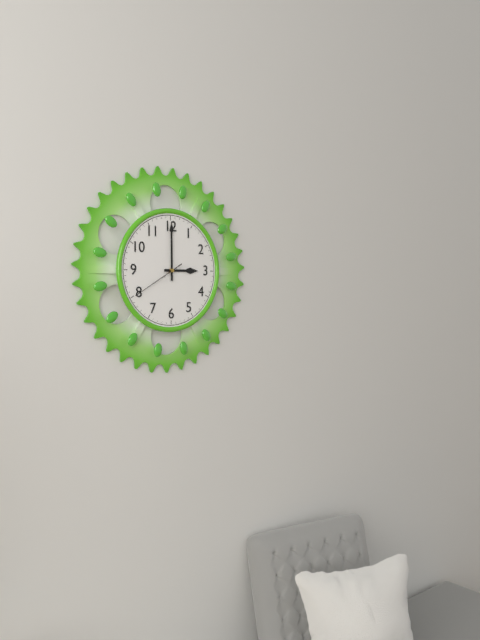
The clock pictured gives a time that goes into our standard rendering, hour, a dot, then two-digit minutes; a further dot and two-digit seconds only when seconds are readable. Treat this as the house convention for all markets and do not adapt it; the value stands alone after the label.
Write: 3.00.40
